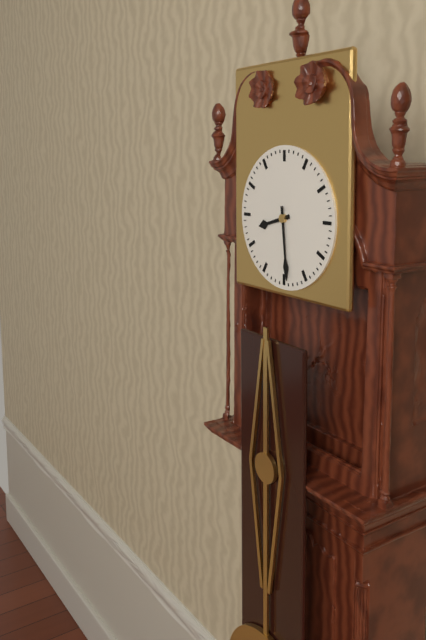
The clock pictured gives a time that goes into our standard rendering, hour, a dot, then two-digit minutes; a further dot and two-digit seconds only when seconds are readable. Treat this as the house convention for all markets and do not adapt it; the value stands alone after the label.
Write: 8.29
